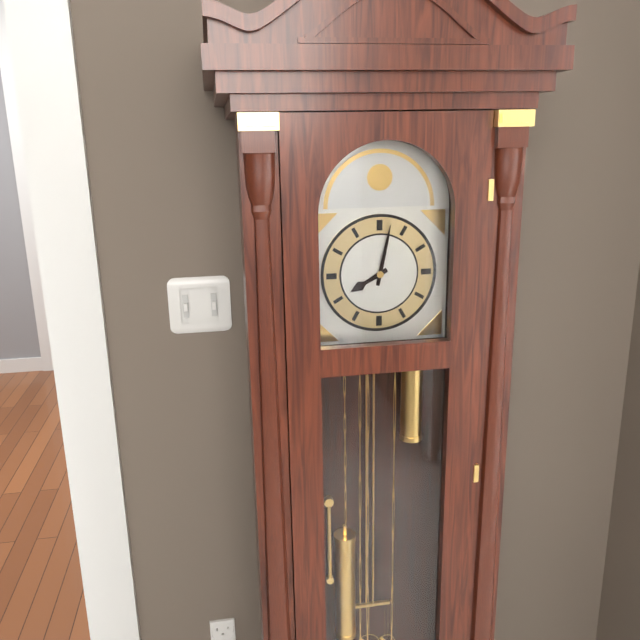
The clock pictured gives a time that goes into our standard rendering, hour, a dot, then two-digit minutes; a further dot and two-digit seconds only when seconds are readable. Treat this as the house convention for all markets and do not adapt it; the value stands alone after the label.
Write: 8.02
